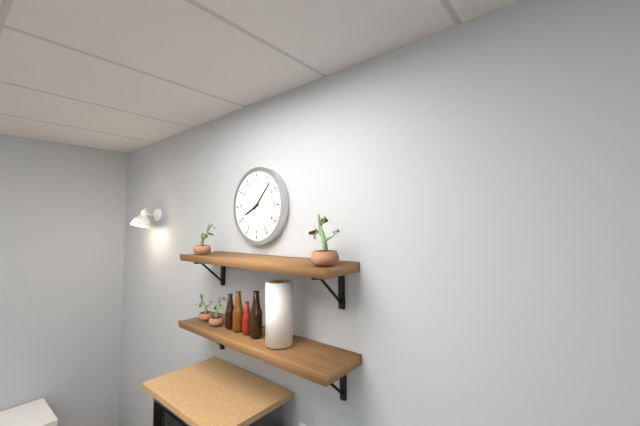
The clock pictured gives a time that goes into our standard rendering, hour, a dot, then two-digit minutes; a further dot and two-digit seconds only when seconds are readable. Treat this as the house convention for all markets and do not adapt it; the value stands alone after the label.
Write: 8.07
